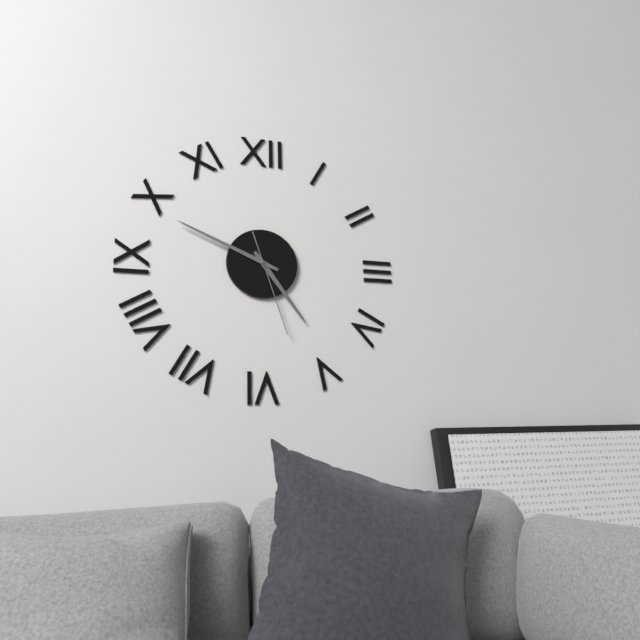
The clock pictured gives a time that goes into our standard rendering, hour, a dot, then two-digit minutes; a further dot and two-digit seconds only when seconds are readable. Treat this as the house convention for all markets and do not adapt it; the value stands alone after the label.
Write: 4.49.27
